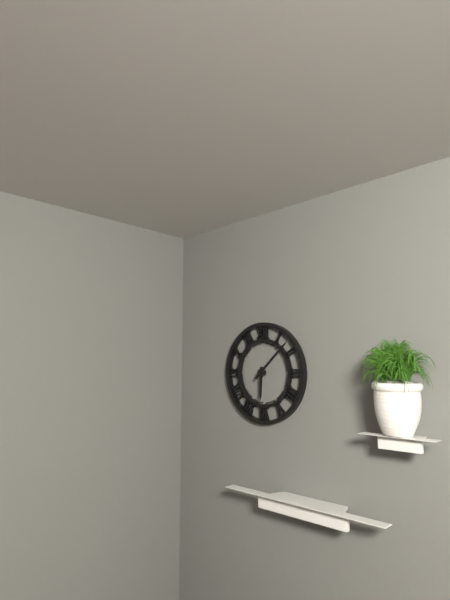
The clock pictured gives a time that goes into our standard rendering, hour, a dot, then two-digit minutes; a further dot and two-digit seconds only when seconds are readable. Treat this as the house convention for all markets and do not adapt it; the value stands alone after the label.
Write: 6.08
